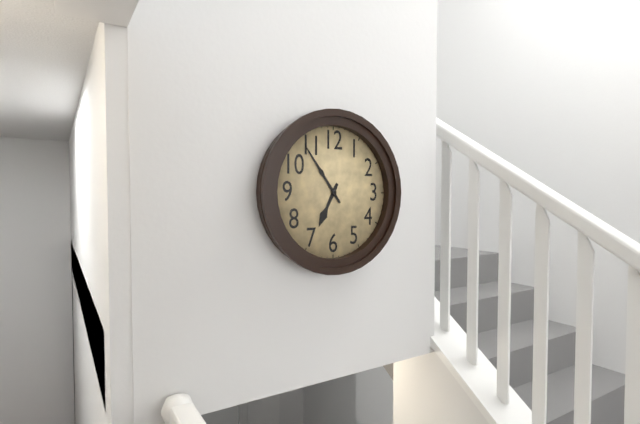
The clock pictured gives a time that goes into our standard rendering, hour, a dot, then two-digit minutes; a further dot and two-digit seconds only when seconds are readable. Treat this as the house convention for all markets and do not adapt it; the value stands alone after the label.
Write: 6.54
